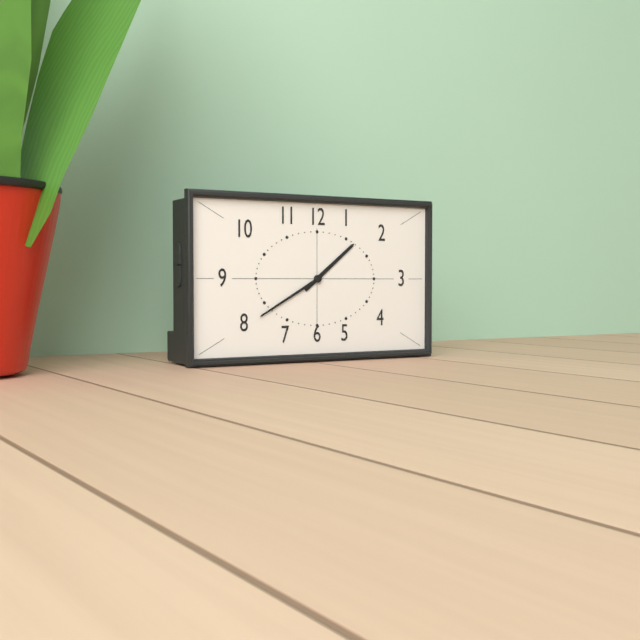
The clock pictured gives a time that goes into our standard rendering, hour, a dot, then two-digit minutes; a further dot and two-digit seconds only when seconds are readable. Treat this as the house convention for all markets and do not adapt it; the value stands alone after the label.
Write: 1.40
